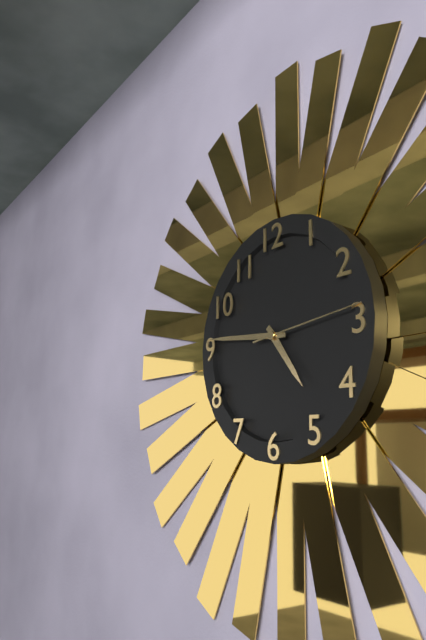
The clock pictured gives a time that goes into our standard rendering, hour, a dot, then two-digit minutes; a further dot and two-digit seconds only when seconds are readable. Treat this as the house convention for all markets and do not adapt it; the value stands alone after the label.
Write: 4.46.14
